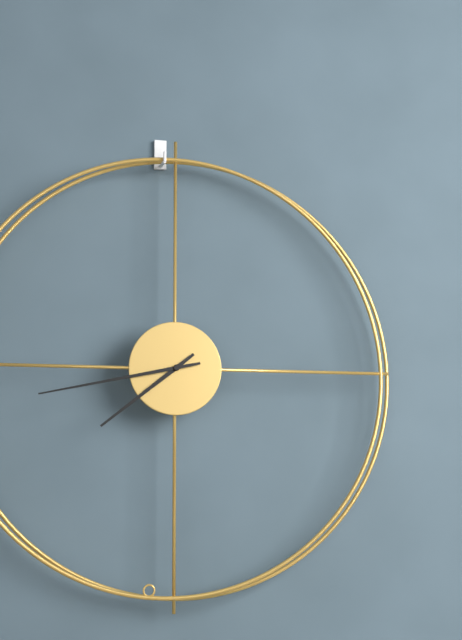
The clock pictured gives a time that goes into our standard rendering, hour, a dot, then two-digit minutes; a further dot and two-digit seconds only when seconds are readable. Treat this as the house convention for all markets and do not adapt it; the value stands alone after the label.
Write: 7.43
